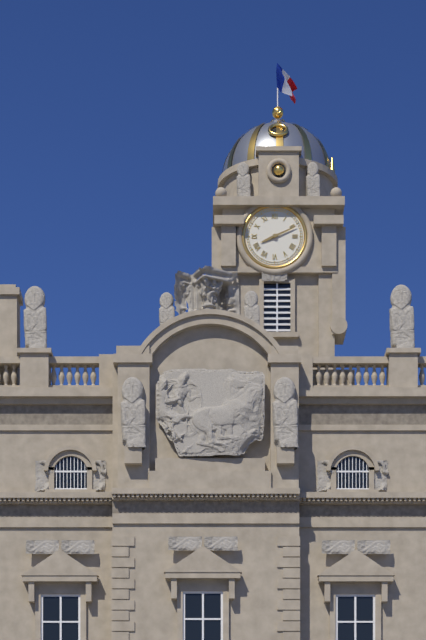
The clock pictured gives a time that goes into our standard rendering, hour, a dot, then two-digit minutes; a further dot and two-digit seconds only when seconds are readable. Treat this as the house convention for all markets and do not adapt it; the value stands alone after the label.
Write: 8.11
